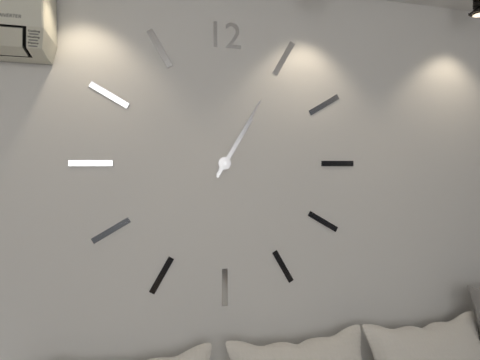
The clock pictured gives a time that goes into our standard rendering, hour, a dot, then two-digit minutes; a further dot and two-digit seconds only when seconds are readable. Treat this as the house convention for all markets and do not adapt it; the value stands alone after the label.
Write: 1.05
